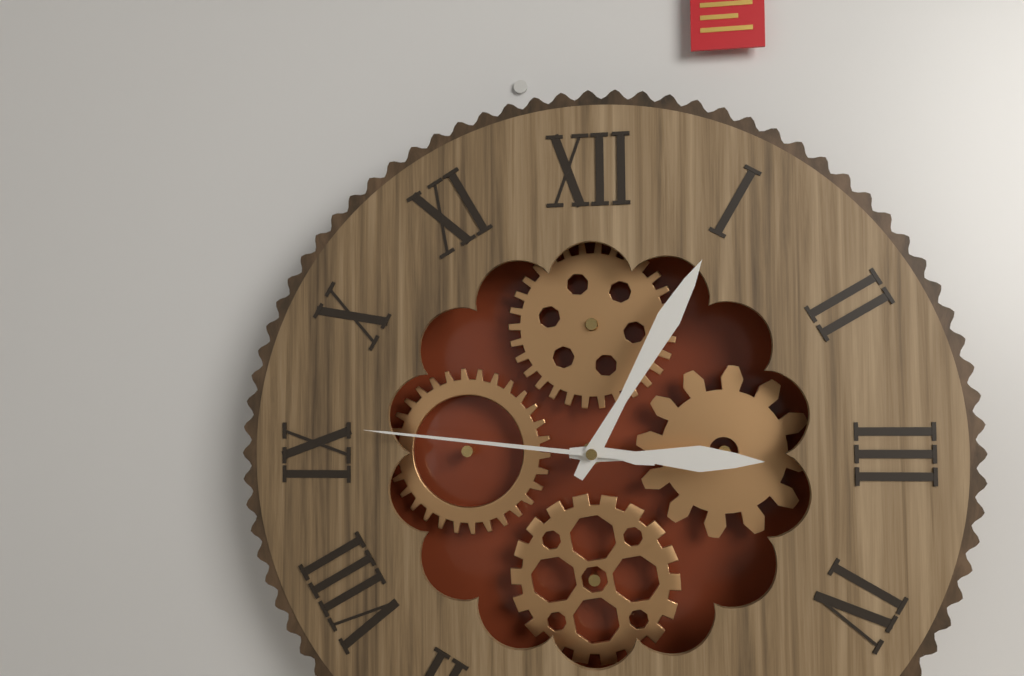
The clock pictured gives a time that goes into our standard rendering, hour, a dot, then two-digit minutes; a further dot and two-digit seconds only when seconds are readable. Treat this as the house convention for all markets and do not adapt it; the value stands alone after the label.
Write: 3.05.46
